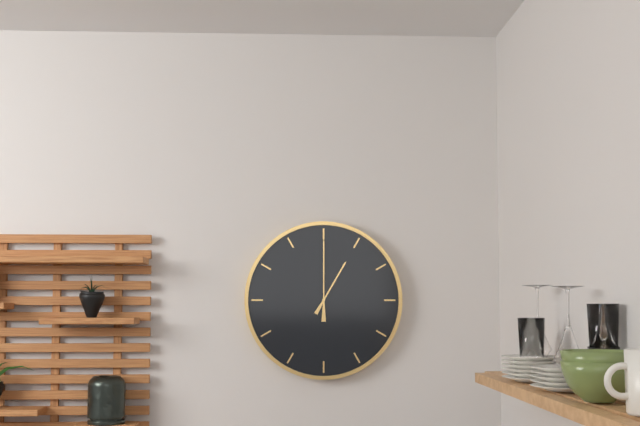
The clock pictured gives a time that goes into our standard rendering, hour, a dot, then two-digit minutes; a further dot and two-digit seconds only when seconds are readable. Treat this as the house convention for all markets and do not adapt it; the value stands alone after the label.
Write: 1.00
